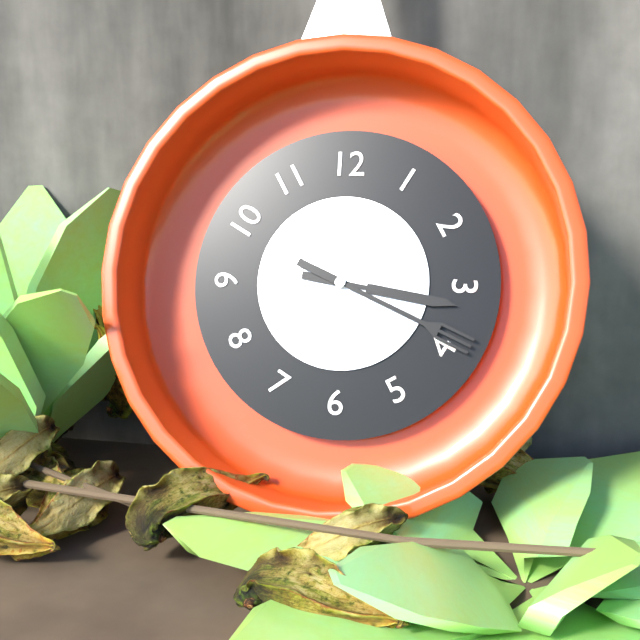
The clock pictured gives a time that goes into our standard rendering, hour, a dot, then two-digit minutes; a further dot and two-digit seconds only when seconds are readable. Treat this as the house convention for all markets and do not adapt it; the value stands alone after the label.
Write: 3.19
